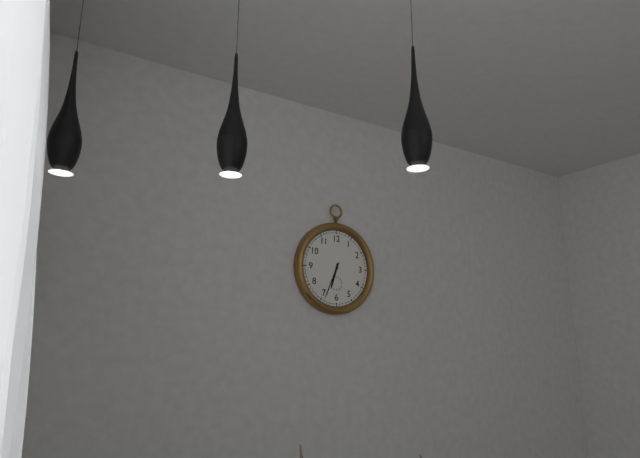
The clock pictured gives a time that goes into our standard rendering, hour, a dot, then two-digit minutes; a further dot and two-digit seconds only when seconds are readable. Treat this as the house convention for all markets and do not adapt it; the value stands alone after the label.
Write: 6.34
